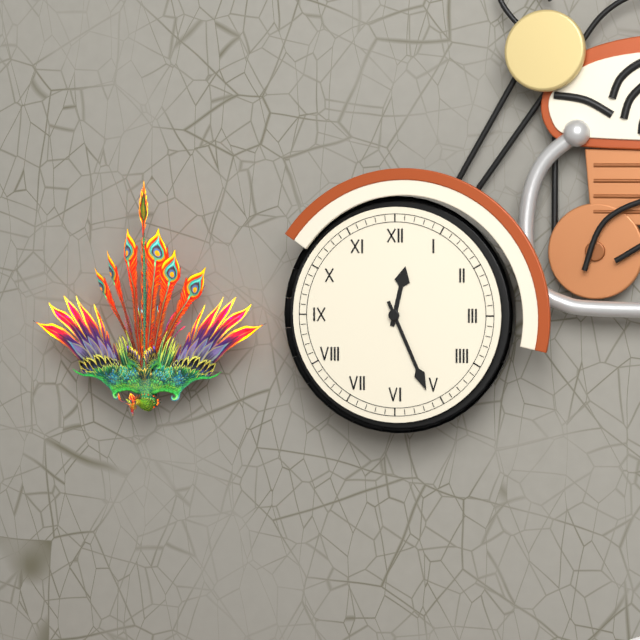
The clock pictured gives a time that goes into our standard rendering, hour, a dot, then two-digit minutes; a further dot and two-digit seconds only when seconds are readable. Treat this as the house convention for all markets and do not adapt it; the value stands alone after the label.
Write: 12.26
